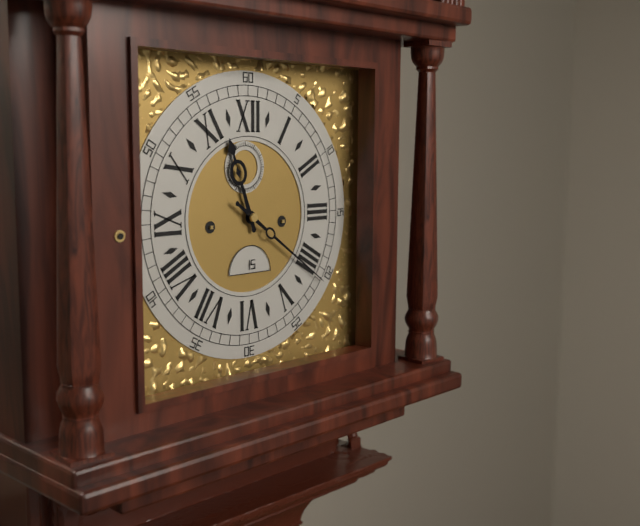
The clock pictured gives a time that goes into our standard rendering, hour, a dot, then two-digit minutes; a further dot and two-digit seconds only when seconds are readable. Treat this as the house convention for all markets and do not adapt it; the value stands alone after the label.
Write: 11.21
